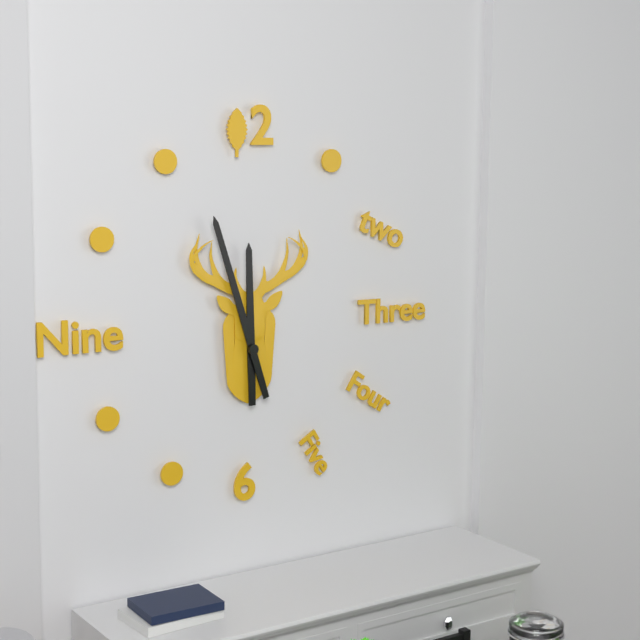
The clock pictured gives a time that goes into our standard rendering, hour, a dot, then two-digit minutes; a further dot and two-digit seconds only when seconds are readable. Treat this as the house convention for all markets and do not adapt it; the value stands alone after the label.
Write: 11.57
